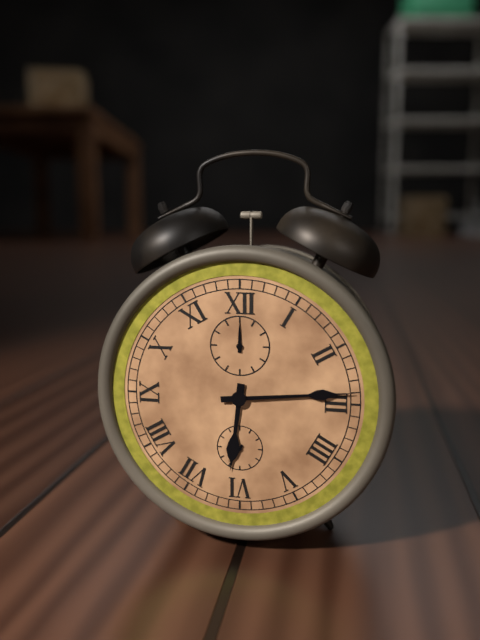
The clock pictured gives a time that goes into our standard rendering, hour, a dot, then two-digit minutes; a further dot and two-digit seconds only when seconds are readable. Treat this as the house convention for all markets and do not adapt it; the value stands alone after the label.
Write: 6.14
